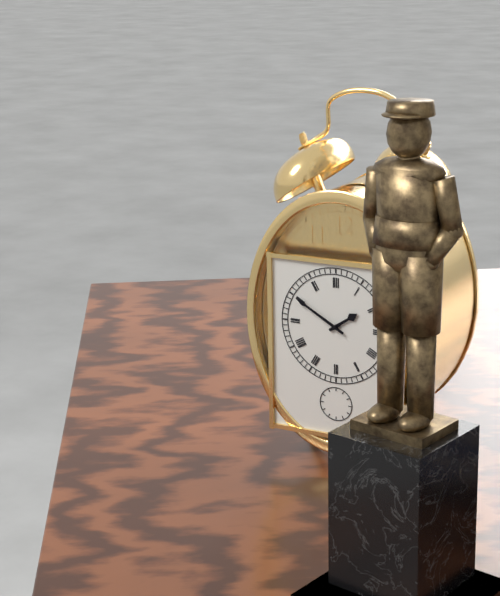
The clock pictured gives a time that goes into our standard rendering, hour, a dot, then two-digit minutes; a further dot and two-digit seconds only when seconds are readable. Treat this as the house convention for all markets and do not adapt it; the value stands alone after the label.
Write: 1.50
